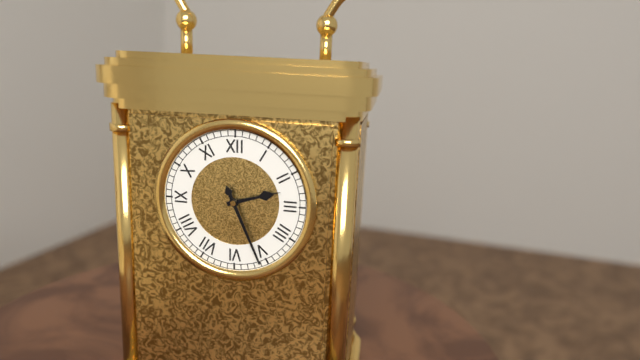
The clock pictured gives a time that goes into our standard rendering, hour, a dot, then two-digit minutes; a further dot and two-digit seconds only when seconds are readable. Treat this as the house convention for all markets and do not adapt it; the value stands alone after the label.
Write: 2.26
